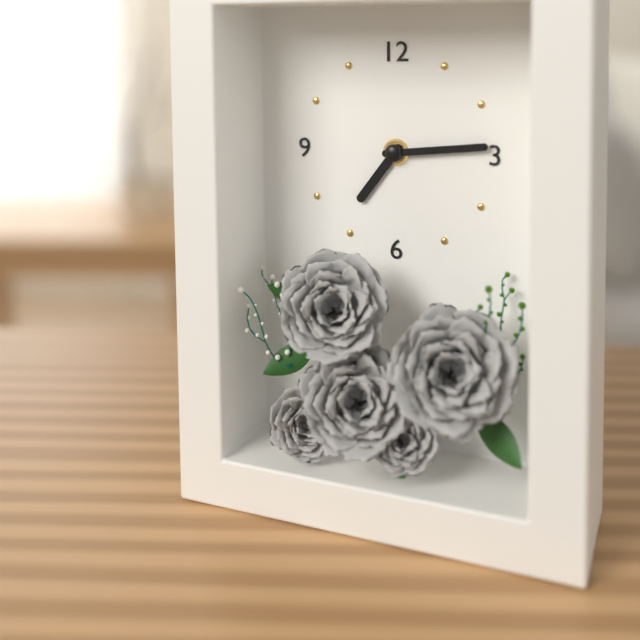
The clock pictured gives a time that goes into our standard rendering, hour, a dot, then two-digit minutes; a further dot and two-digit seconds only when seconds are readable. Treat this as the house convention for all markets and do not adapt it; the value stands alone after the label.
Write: 7.14
